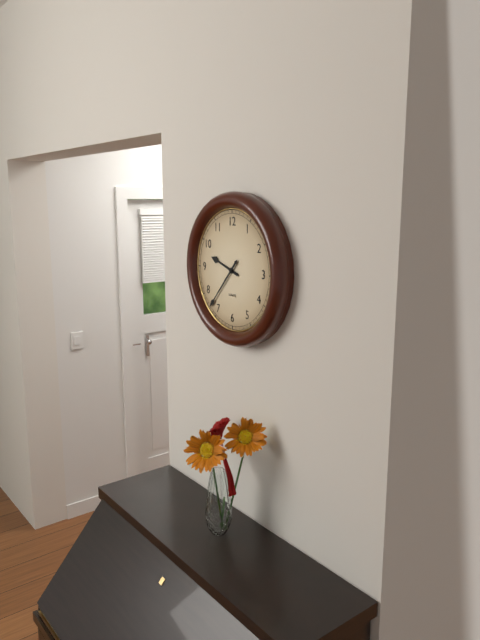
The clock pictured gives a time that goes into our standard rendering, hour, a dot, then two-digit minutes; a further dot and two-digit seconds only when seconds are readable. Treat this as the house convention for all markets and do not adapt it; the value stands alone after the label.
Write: 9.37
